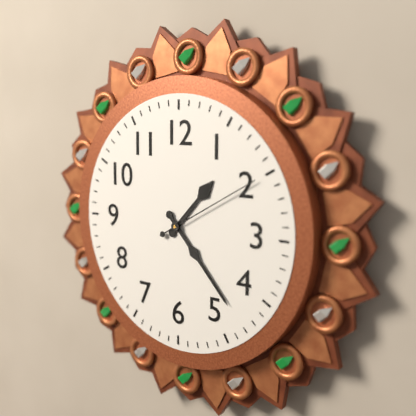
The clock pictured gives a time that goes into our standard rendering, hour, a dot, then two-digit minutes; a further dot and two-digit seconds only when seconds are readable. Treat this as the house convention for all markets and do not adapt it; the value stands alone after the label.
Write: 1.23.10
